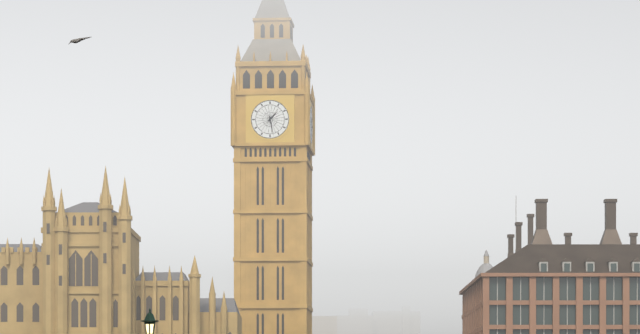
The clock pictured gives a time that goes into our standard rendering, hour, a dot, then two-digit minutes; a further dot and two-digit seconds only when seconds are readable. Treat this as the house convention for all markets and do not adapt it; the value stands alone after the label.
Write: 1.28
